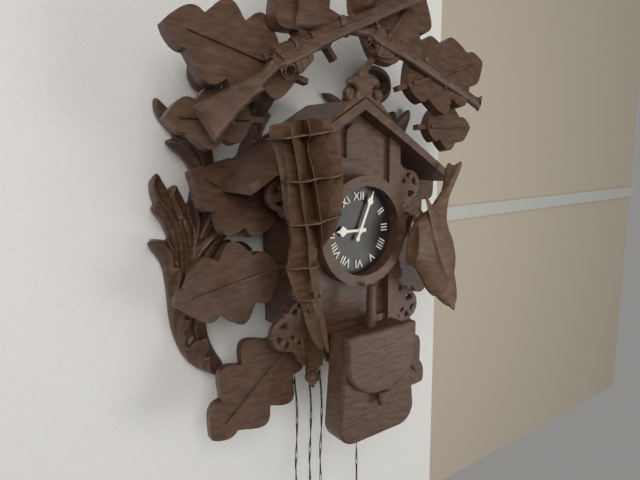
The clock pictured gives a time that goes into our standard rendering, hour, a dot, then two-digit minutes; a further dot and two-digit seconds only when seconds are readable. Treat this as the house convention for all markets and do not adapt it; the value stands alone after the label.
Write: 9.04
